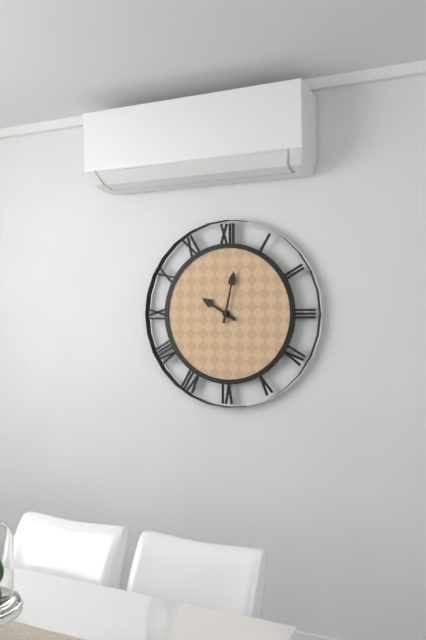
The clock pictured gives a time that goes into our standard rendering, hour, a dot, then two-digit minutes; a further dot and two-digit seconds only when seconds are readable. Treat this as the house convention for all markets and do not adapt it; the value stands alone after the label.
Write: 10.02
